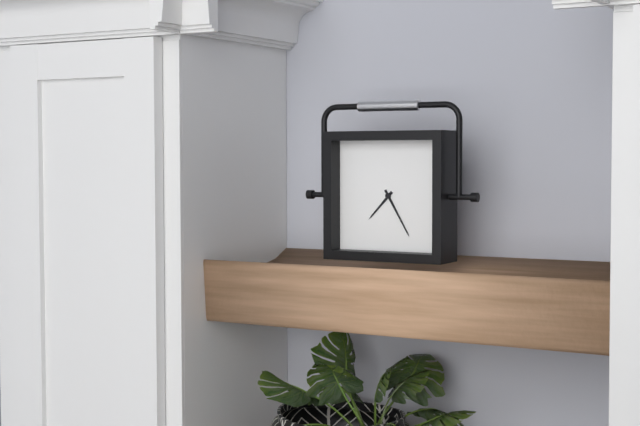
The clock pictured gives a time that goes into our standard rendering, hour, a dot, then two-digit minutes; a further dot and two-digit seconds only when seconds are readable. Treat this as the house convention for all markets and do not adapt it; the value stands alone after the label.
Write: 7.25
